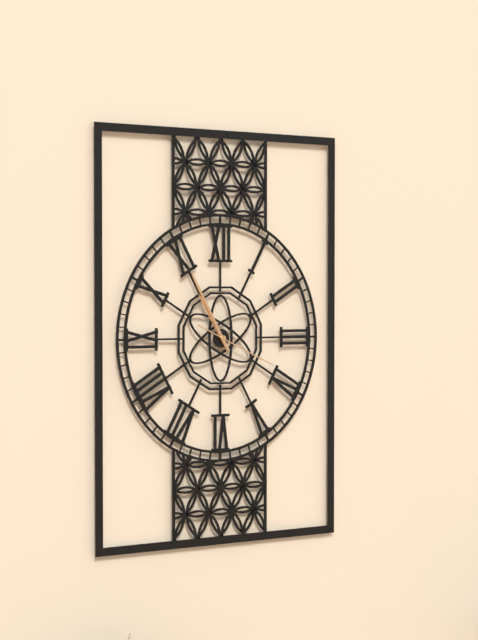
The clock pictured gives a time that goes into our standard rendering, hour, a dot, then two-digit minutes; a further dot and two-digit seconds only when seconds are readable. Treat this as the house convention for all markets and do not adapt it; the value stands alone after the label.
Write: 10.55.19
